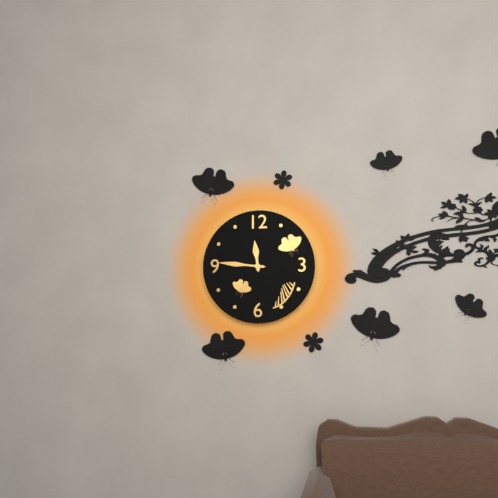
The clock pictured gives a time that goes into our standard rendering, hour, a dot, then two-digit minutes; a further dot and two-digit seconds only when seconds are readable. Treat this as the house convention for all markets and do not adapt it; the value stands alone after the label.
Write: 11.46
